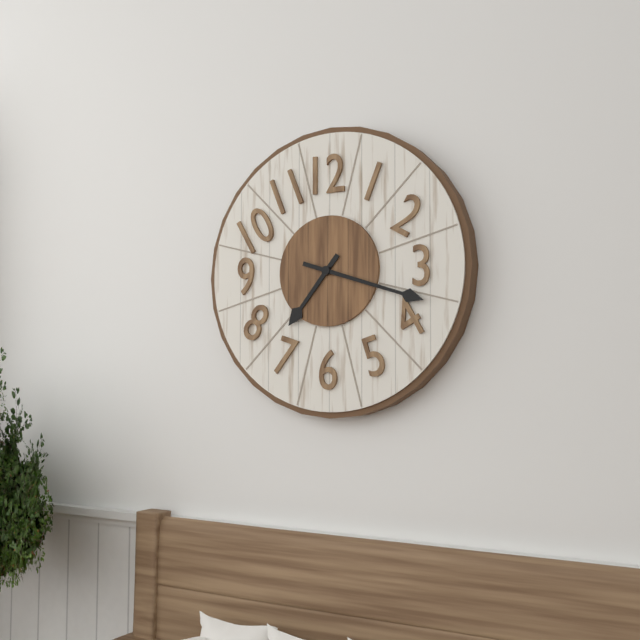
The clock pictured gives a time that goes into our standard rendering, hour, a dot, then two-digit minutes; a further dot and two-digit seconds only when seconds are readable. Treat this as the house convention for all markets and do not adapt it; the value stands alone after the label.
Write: 7.18
